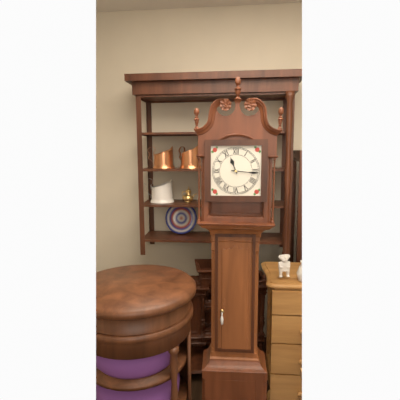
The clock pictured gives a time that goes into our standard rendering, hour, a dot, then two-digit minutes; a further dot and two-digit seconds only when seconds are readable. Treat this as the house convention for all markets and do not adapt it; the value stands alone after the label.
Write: 11.16
